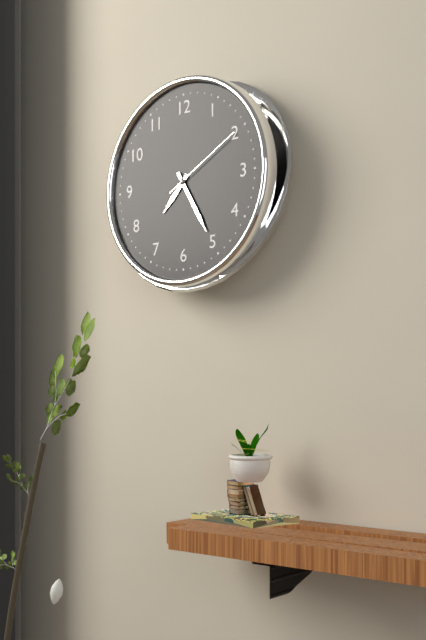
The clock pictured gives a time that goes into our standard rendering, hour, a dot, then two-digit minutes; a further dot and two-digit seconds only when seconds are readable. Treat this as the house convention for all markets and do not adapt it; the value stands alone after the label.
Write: 7.25.10
